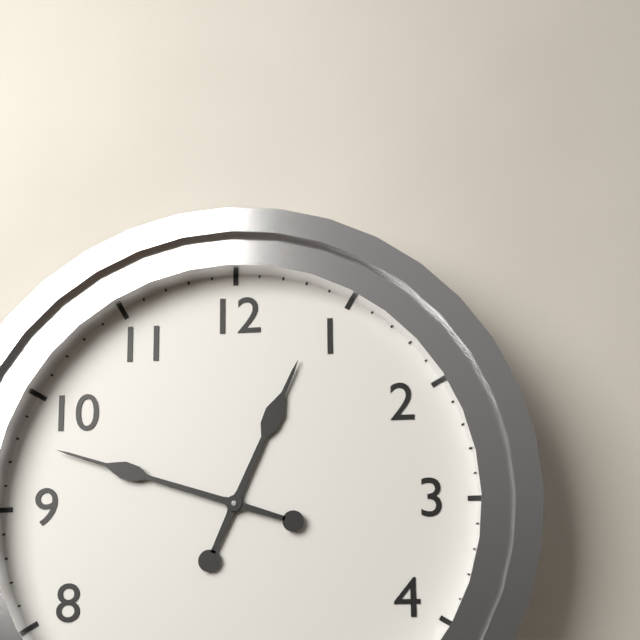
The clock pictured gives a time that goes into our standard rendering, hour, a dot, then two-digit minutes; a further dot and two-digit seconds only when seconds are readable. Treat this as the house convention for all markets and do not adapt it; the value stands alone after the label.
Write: 12.48
